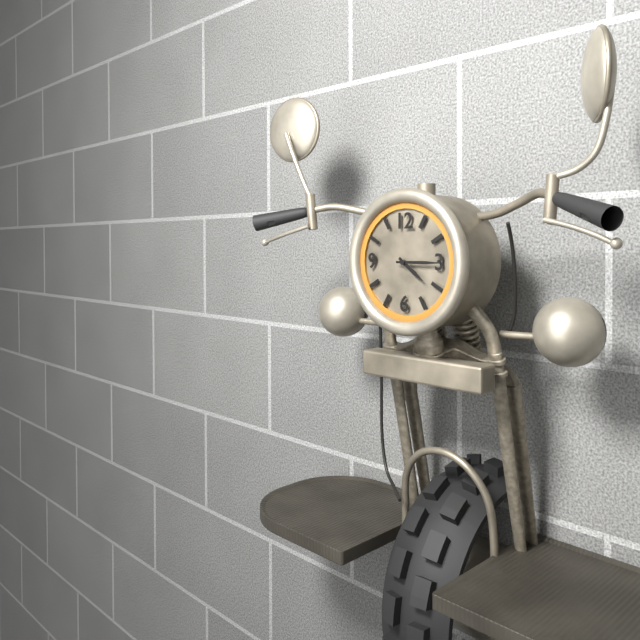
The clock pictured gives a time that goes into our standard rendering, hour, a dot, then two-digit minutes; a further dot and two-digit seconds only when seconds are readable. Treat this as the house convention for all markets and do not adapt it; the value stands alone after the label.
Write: 4.15
